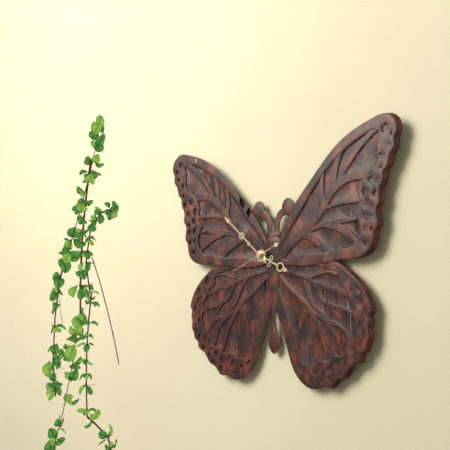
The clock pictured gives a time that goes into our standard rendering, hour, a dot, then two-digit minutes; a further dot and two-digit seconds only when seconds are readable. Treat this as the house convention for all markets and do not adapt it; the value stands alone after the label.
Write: 3.52
